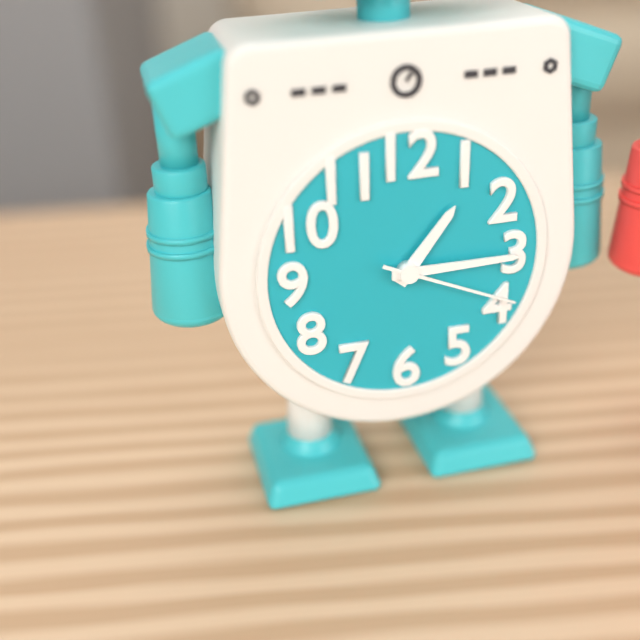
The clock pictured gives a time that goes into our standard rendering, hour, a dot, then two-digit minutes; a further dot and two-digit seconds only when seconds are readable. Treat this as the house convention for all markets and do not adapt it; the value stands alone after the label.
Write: 1.15.19
